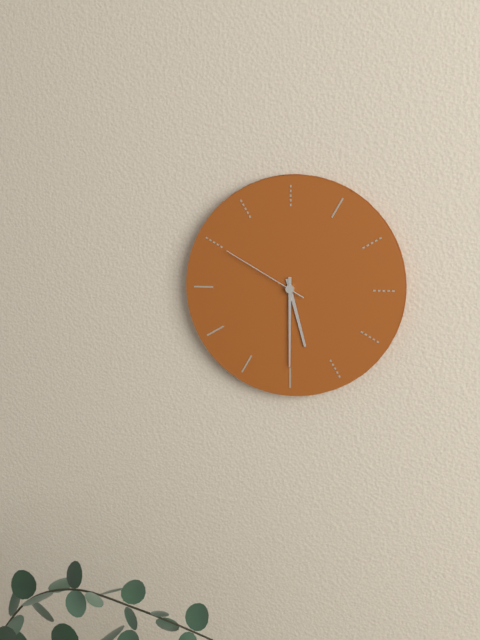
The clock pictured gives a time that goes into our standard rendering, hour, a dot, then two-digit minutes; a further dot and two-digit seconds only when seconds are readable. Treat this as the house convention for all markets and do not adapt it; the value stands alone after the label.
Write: 5.30.50
